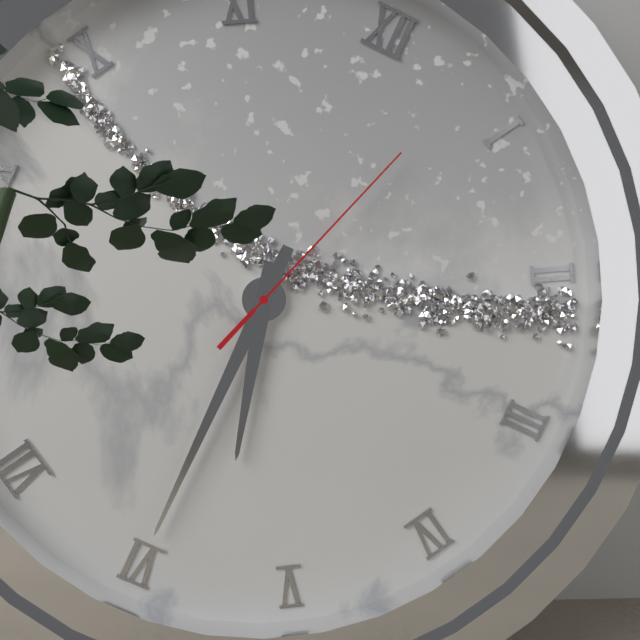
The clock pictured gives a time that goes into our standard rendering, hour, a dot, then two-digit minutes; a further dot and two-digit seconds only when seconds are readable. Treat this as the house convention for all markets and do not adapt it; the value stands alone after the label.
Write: 5.30.03
